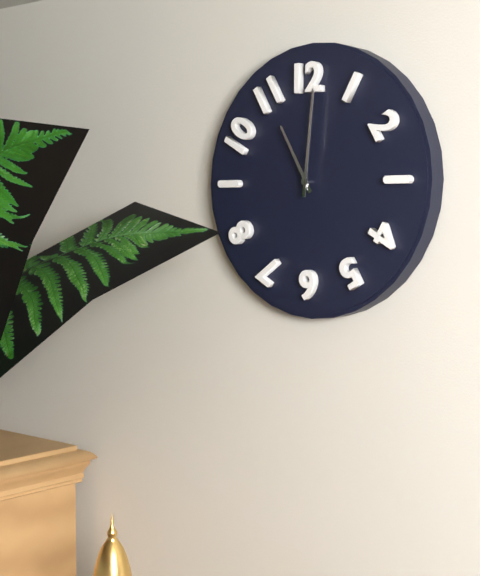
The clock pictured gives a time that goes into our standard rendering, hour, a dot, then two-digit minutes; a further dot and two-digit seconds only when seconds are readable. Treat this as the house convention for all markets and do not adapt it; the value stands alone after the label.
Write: 11.01
